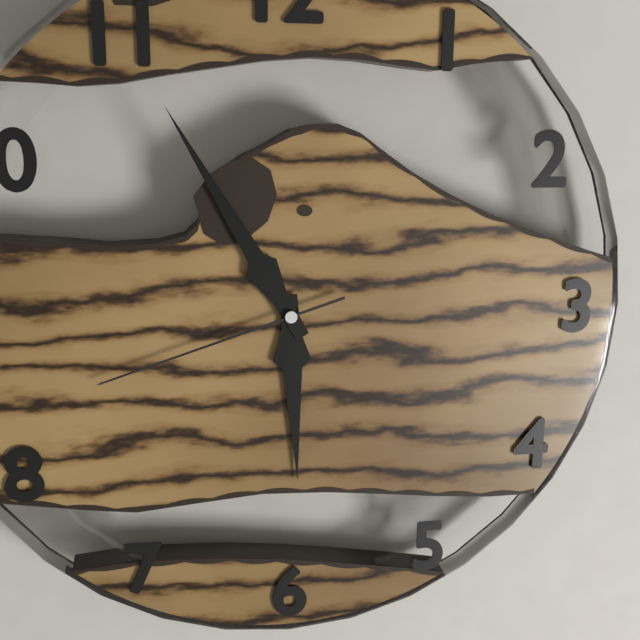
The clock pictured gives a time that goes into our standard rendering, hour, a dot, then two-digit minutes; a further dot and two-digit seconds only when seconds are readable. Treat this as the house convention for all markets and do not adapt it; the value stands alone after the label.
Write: 5.55.42
